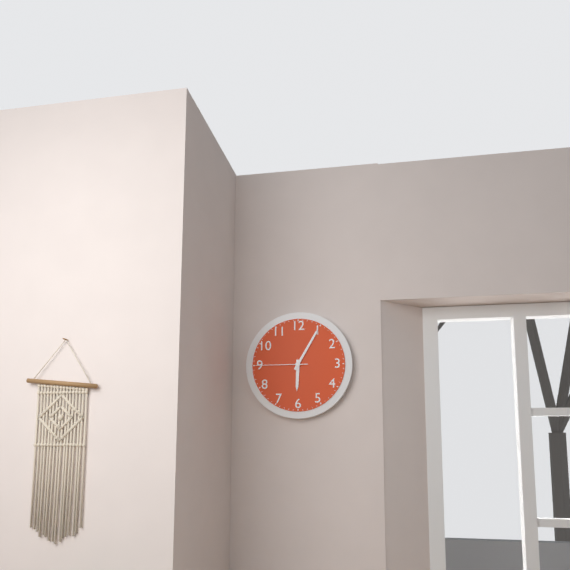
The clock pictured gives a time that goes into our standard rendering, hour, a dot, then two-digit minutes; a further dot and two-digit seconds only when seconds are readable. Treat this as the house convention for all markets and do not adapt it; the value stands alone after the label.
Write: 6.05.45
